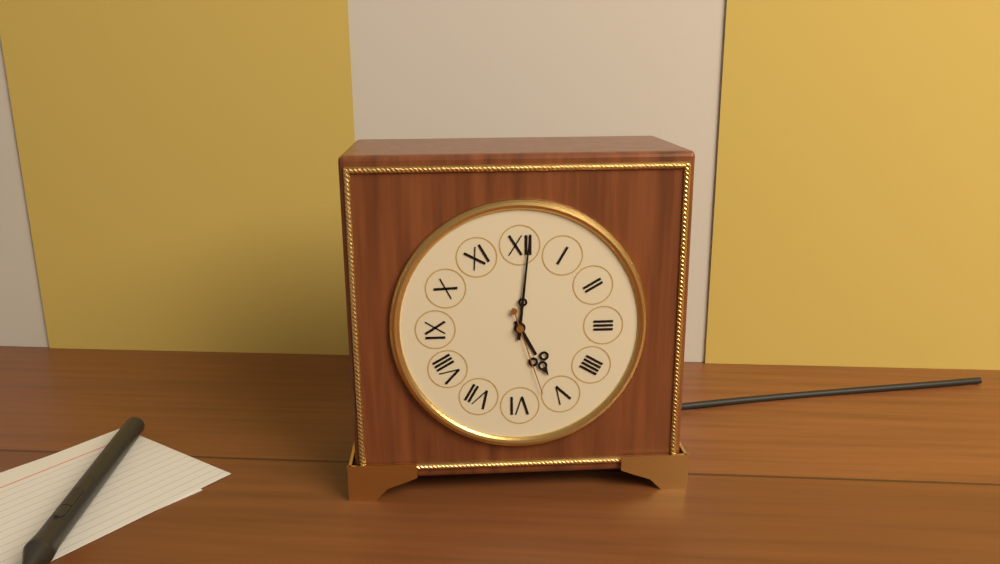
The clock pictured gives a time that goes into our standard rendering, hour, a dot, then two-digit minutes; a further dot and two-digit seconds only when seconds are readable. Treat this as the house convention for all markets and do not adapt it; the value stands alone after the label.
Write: 5.01.27
